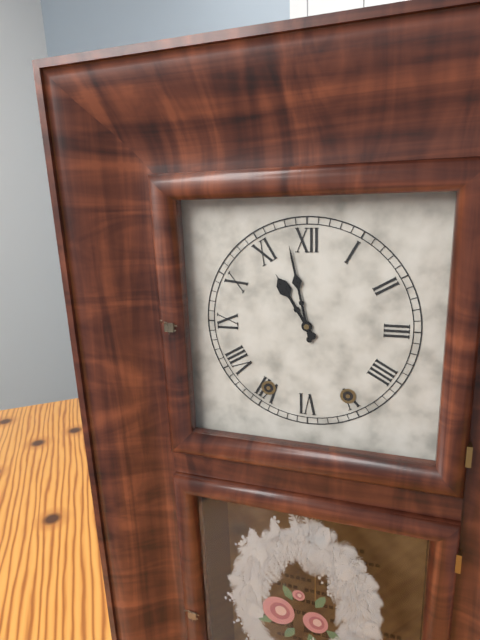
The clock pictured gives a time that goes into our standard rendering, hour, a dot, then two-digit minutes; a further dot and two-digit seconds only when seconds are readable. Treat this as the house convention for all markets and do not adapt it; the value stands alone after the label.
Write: 10.58
